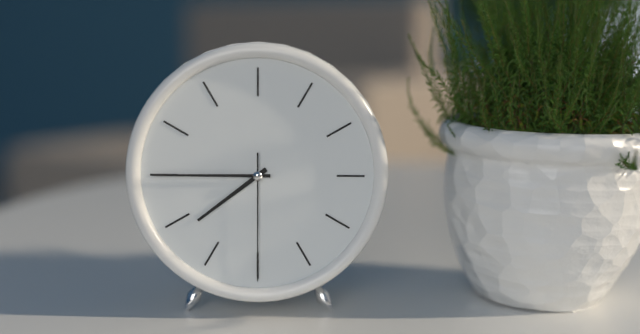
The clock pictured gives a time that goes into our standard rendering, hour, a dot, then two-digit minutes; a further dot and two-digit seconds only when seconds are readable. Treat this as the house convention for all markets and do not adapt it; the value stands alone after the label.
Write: 7.45.30
